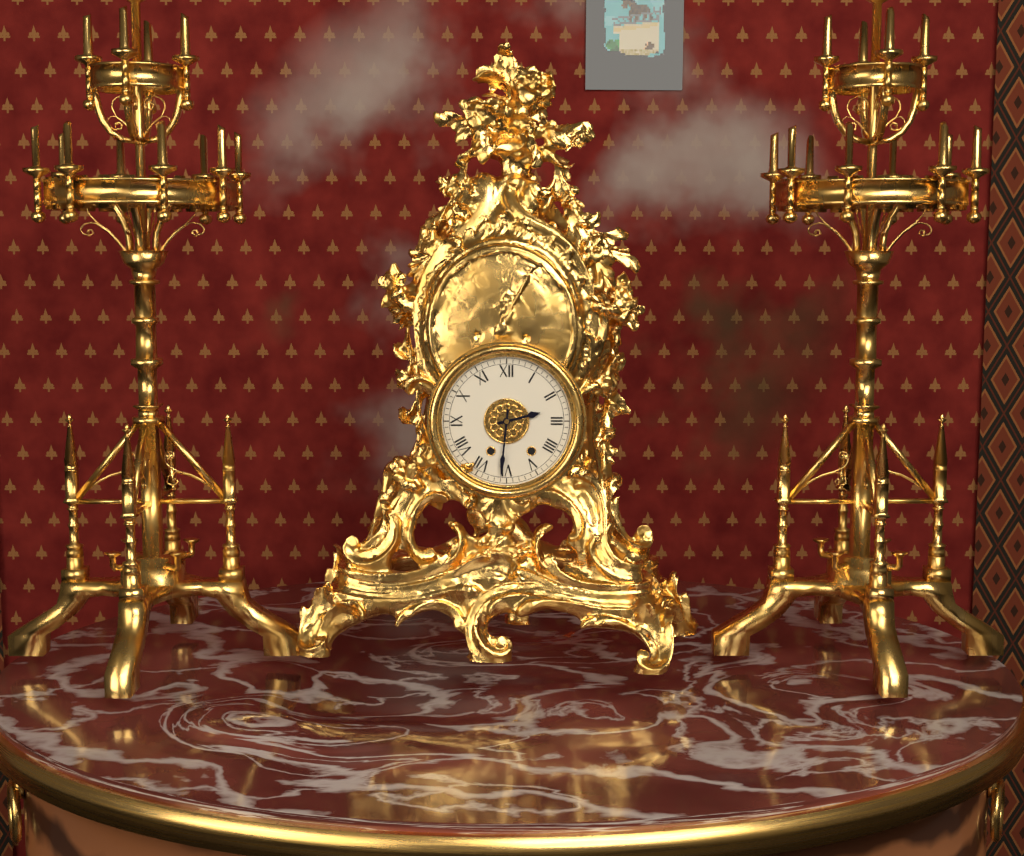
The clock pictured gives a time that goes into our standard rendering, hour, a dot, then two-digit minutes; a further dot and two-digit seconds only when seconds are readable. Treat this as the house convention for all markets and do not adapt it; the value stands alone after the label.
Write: 2.31
